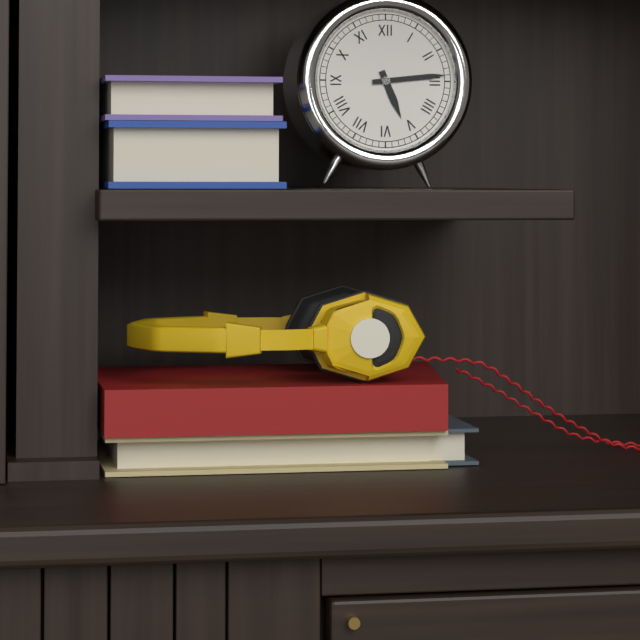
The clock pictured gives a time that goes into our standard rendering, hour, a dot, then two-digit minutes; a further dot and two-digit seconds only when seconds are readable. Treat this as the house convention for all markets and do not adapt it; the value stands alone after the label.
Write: 5.14
